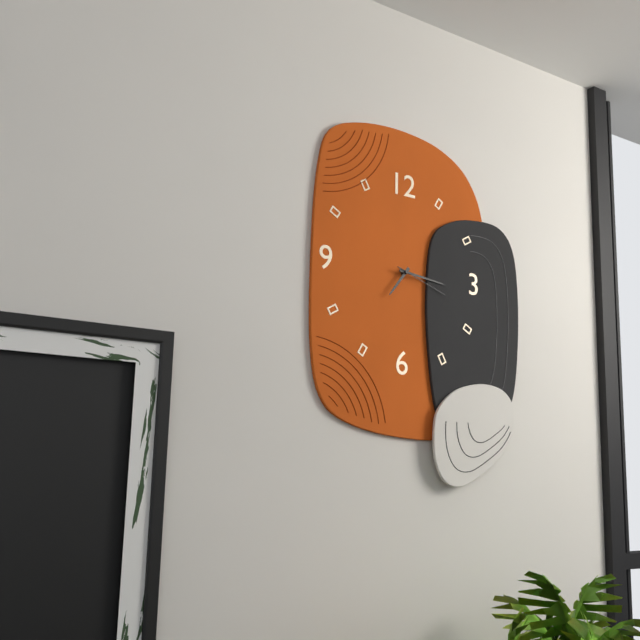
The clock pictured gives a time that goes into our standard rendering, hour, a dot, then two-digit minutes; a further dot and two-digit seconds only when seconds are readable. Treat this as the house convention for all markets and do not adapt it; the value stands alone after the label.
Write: 7.16.18
